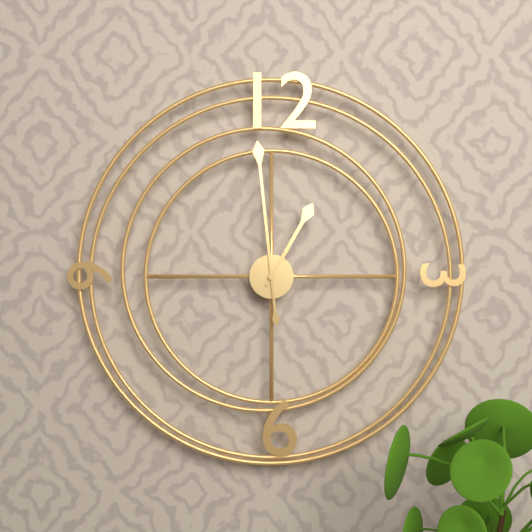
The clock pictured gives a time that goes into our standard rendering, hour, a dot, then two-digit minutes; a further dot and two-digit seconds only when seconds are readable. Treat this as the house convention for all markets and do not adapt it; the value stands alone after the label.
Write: 12.59
